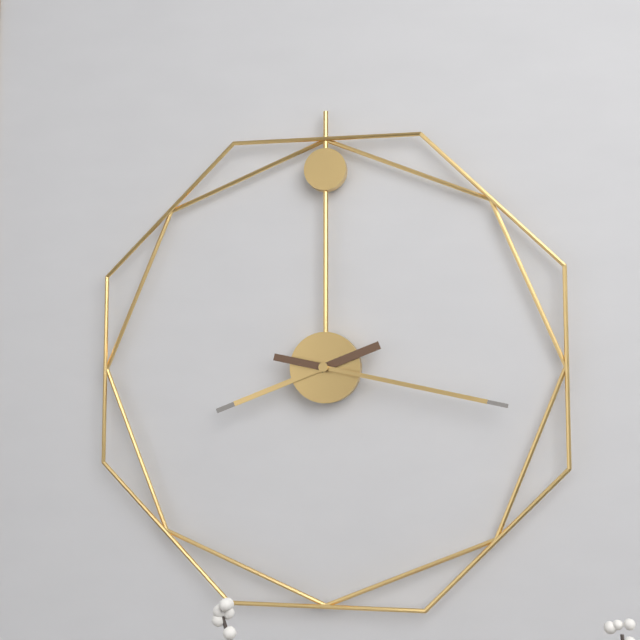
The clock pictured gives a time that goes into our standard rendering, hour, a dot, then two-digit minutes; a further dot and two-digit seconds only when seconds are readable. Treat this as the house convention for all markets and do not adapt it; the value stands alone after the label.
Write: 8.17
